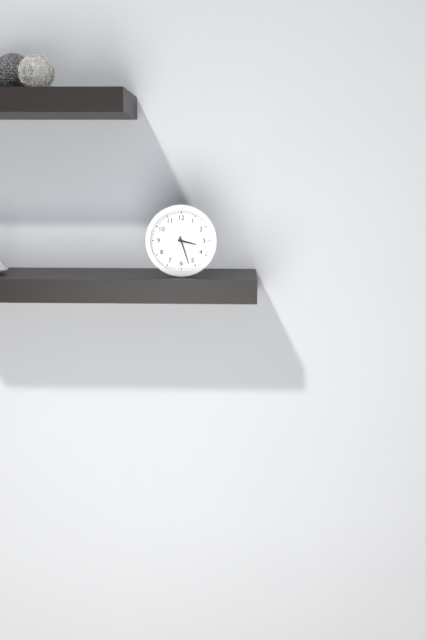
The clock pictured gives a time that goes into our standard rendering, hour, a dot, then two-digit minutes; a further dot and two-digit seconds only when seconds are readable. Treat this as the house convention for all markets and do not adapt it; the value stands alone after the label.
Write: 3.27
